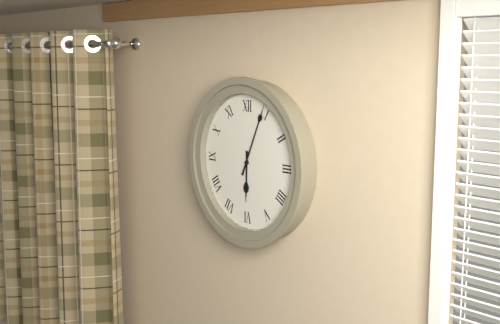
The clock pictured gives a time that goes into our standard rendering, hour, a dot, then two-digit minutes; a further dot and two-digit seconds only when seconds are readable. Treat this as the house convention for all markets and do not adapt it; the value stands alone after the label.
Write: 6.04
